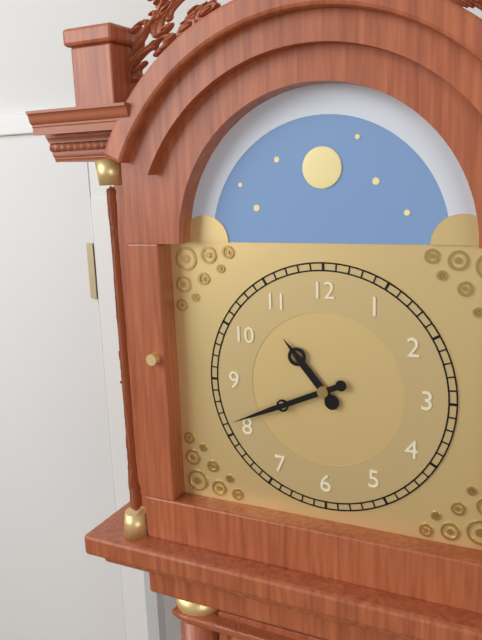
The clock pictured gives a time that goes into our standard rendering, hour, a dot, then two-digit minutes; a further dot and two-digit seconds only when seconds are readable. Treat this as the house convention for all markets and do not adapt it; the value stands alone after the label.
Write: 10.41
